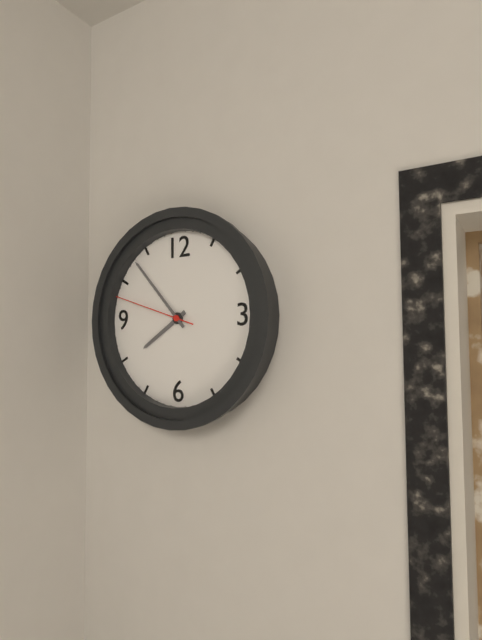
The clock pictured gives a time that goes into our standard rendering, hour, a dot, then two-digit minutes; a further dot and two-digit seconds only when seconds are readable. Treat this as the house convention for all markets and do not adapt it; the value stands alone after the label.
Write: 7.53.48
